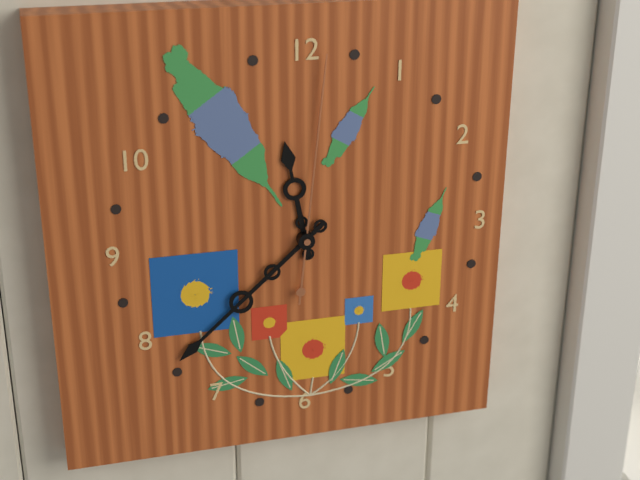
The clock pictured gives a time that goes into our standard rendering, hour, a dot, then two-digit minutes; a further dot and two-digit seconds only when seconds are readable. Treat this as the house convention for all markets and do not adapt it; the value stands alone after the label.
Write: 11.38.01
